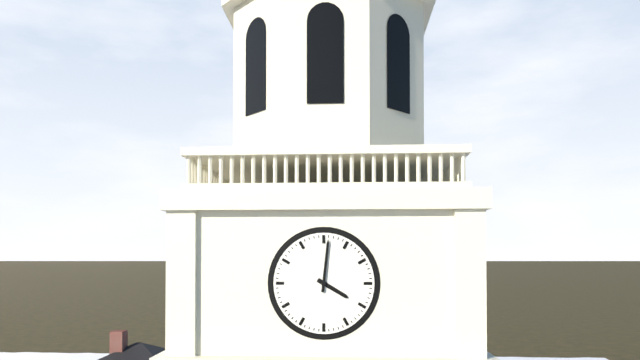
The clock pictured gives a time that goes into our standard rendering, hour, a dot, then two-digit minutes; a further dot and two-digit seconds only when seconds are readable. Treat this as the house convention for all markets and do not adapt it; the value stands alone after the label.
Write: 4.01
